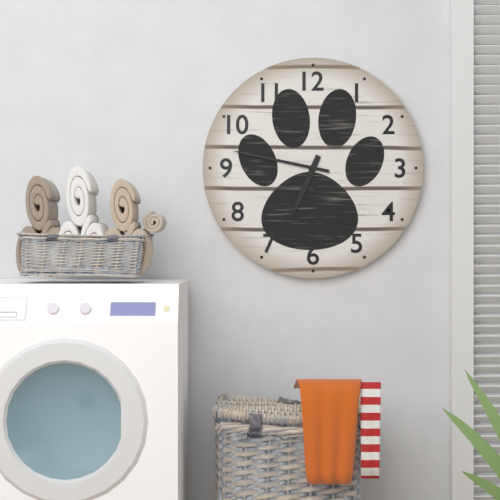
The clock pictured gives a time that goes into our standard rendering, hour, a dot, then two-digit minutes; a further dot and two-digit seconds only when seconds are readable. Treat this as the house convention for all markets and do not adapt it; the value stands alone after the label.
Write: 6.47
